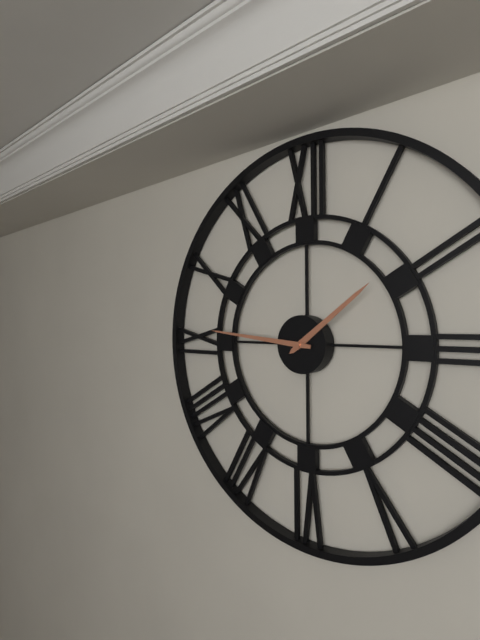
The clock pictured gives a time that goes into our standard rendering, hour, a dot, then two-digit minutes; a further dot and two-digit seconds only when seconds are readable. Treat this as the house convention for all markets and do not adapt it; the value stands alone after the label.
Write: 1.46
